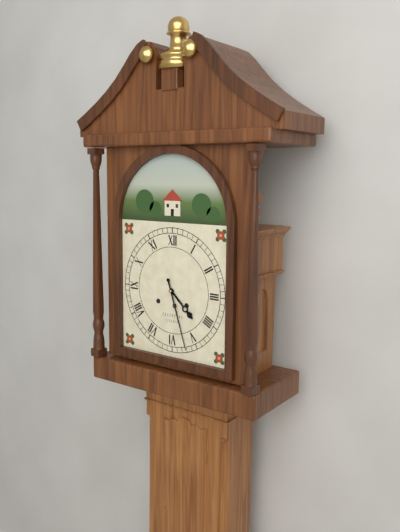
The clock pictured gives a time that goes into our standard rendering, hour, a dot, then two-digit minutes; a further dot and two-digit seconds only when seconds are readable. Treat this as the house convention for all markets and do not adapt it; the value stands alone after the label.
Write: 4.27
